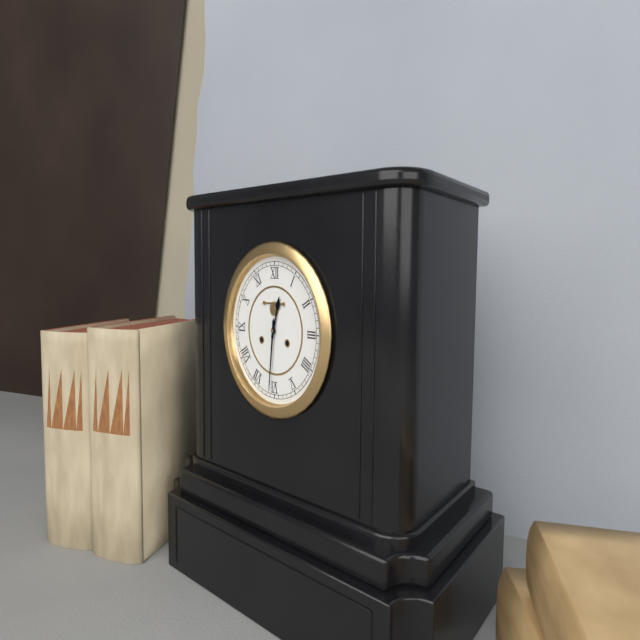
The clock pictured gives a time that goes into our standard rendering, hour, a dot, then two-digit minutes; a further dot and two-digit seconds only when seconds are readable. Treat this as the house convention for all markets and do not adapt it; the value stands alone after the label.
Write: 12.31
